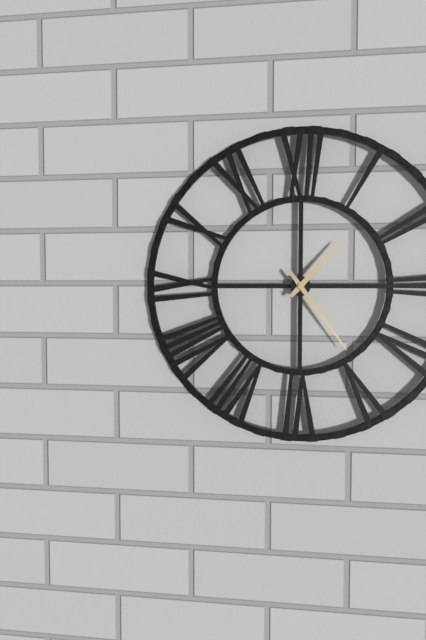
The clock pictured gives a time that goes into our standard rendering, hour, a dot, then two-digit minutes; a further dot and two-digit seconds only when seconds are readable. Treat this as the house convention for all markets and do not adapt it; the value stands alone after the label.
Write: 1.24
